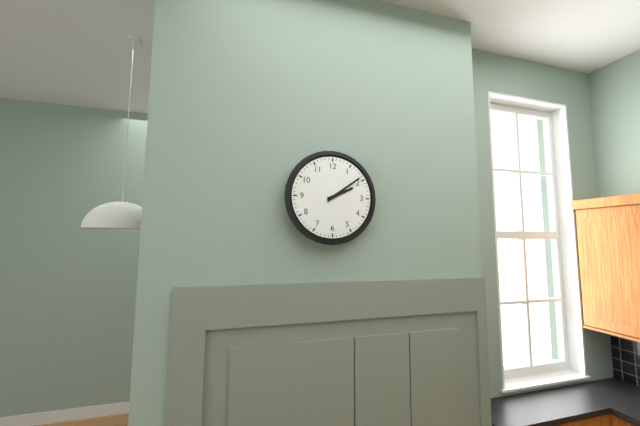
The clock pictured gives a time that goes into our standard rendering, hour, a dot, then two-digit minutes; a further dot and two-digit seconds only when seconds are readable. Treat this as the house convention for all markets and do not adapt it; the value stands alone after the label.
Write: 2.09
